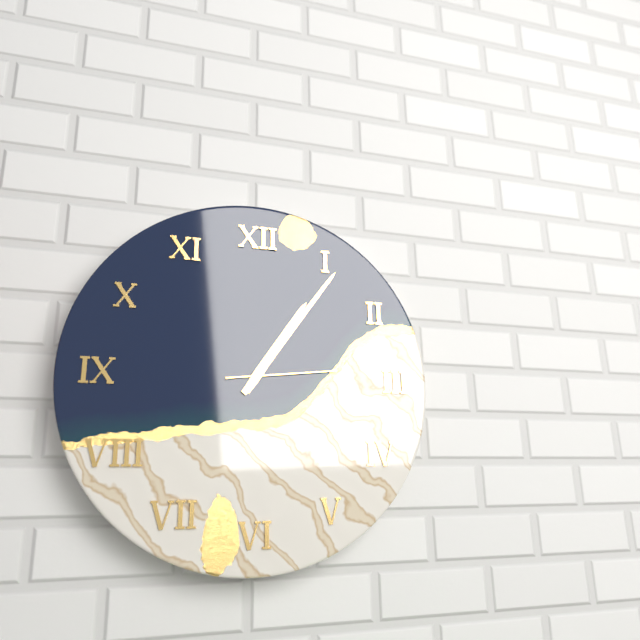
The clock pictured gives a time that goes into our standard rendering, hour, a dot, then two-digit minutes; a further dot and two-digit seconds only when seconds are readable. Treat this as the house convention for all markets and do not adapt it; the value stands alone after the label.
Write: 1.06.14
